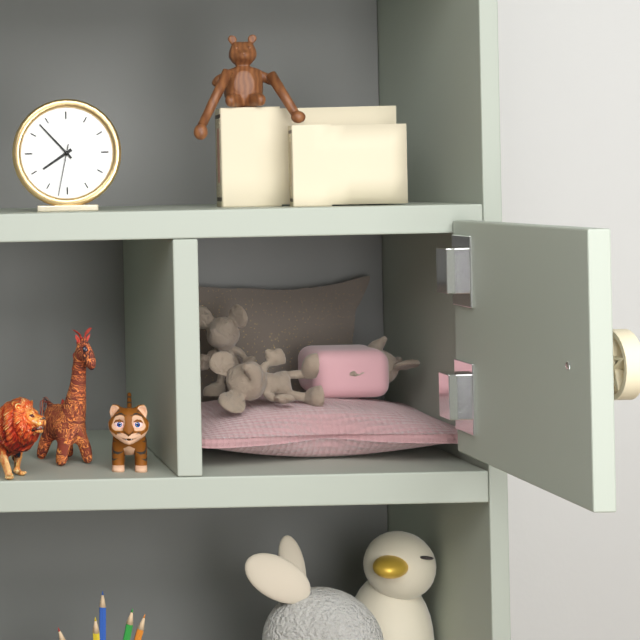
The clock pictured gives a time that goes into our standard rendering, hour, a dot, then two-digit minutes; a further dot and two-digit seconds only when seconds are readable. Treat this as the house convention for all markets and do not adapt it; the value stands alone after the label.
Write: 7.53.32
